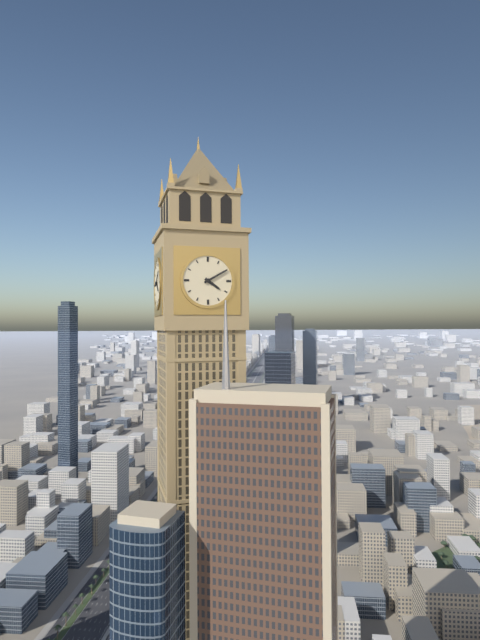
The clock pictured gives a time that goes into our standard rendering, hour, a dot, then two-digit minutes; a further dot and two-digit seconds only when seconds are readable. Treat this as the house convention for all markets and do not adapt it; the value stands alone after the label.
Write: 4.10
